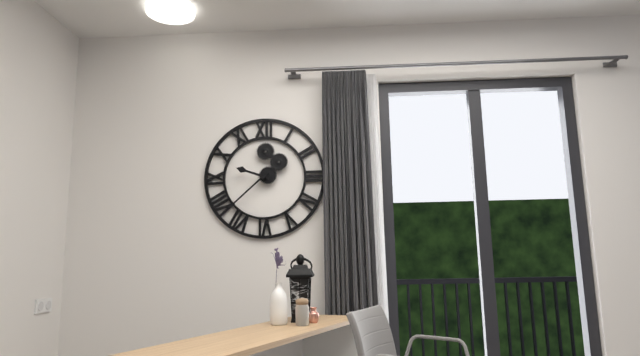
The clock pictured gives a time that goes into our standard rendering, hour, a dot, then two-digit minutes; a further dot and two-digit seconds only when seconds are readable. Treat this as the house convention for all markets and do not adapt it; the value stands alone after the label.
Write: 9.38
